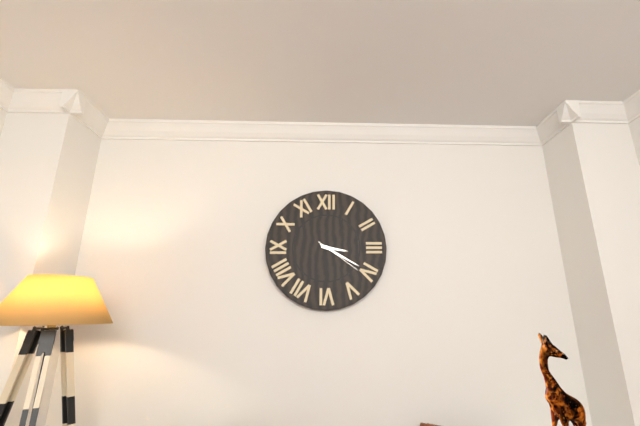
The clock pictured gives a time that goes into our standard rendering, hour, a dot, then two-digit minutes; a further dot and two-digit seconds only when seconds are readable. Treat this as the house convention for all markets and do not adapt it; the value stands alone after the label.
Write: 3.20
